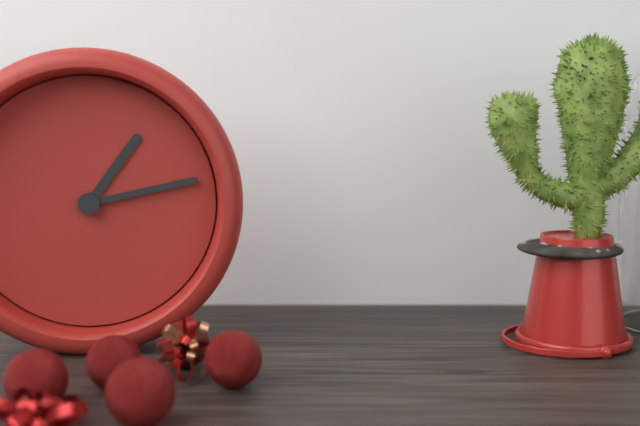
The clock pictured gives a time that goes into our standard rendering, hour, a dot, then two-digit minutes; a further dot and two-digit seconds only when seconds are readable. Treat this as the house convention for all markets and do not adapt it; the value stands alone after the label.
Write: 1.13
